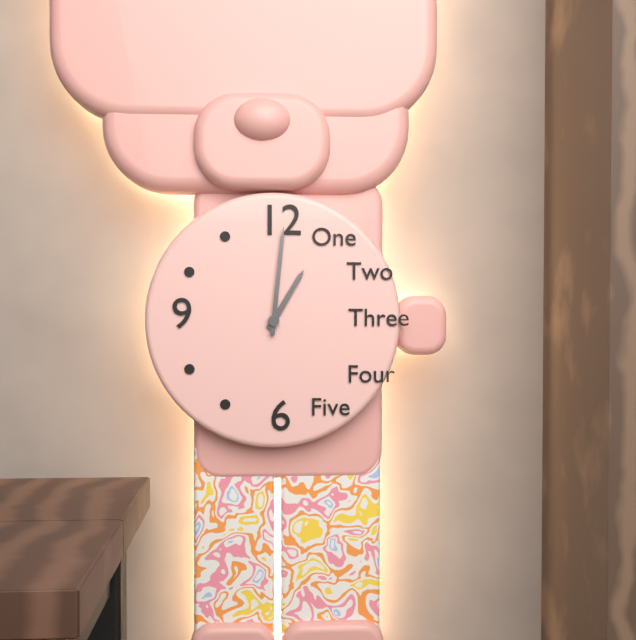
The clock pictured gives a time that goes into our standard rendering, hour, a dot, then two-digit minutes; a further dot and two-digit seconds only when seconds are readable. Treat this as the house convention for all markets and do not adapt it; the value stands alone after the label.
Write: 1.01
